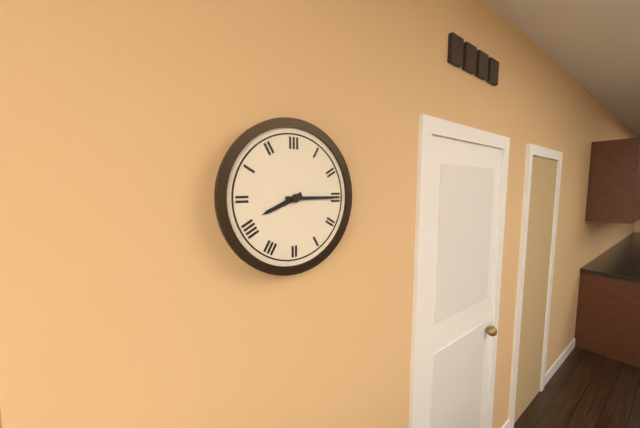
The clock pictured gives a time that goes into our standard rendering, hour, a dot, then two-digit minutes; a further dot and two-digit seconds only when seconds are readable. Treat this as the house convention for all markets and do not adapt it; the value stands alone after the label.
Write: 8.15
